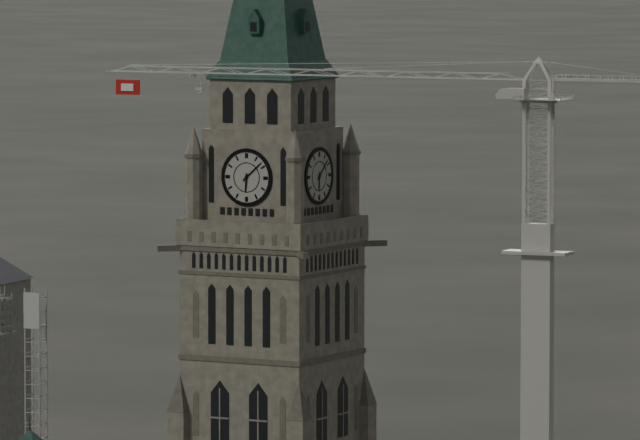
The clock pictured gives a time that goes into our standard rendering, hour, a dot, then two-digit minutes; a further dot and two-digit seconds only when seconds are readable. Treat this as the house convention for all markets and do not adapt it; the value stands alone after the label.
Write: 6.08
